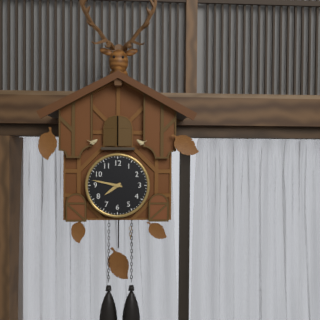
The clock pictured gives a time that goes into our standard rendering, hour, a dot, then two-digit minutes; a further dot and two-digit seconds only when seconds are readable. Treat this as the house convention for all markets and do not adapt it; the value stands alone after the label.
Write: 7.47
